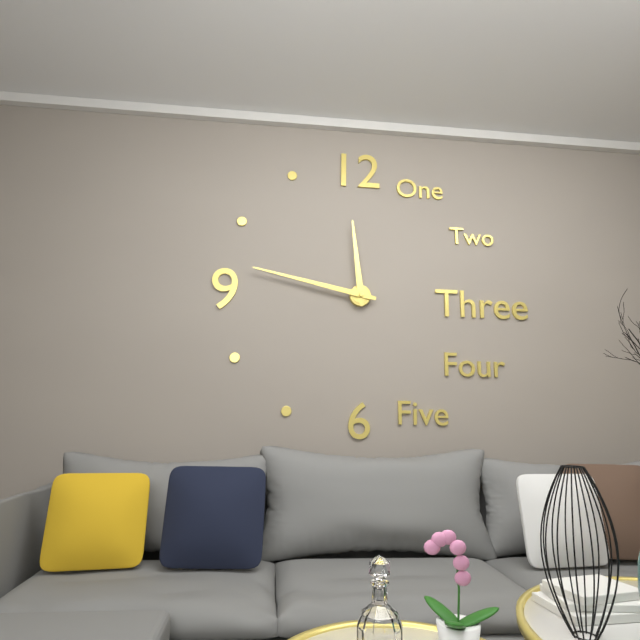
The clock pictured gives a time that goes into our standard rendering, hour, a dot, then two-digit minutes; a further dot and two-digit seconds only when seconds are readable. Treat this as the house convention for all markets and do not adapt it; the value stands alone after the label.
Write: 11.47
